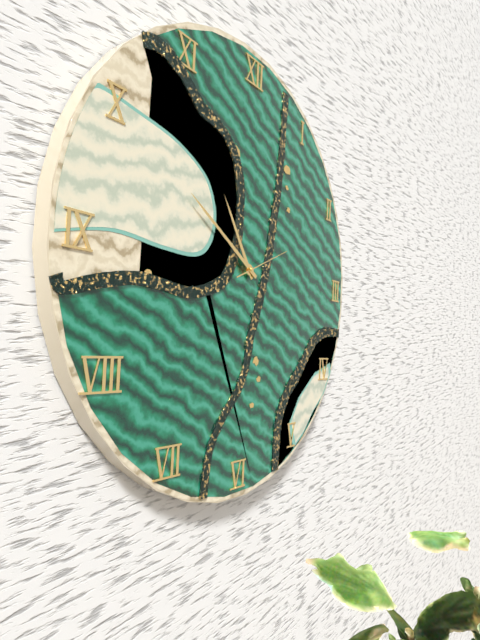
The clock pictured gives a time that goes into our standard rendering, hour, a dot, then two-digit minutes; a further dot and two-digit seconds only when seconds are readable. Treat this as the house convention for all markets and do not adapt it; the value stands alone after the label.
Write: 10.50.11
